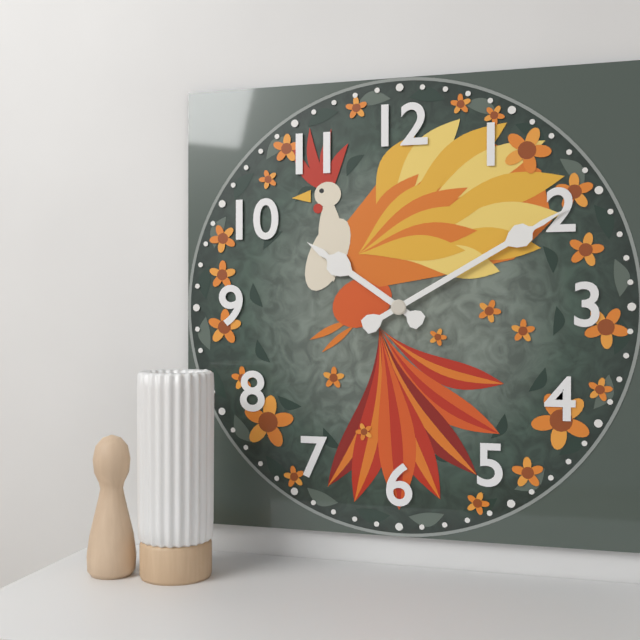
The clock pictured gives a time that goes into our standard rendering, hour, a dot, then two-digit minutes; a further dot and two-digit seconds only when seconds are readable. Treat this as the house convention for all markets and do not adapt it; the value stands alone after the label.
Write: 10.10
